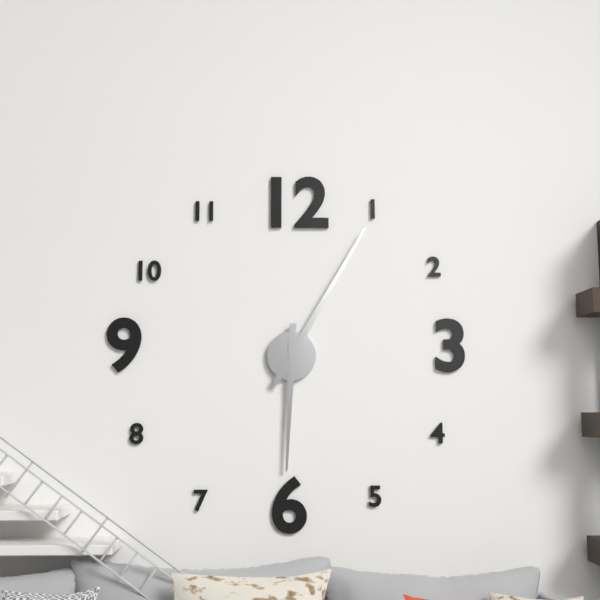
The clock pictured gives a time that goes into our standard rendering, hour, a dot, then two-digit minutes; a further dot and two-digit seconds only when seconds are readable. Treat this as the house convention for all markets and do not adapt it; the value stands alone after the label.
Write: 6.05
